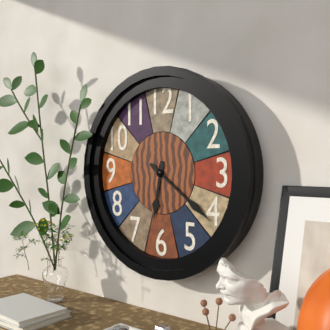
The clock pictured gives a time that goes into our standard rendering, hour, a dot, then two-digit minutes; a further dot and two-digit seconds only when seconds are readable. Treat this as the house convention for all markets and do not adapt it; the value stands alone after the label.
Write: 6.21
